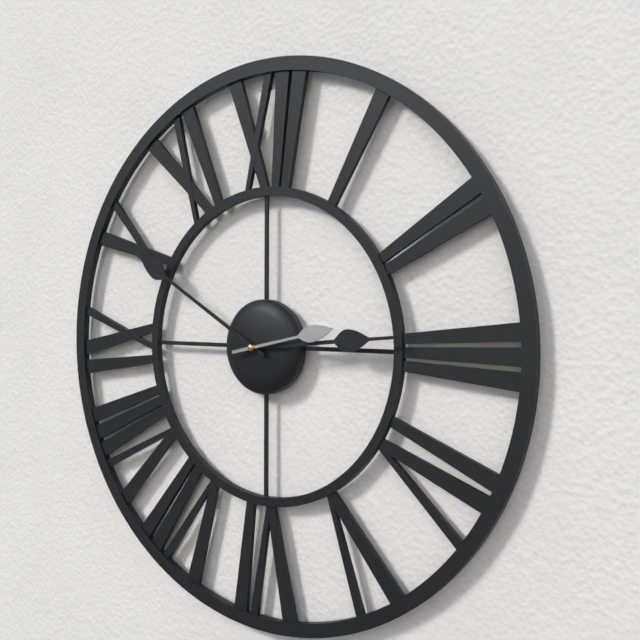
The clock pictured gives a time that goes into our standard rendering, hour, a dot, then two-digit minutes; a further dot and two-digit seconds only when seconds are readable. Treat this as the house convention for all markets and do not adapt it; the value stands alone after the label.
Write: 2.50.13
